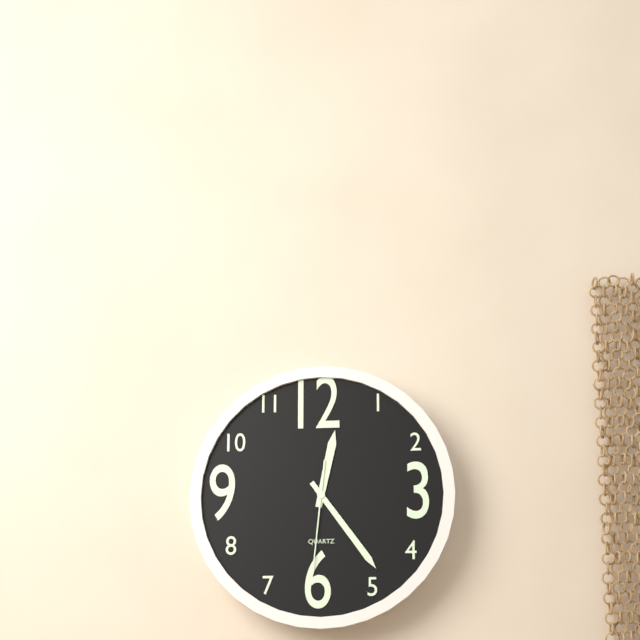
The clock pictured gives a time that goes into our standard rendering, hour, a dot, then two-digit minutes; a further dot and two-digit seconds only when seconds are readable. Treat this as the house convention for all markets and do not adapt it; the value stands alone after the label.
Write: 12.24.31
